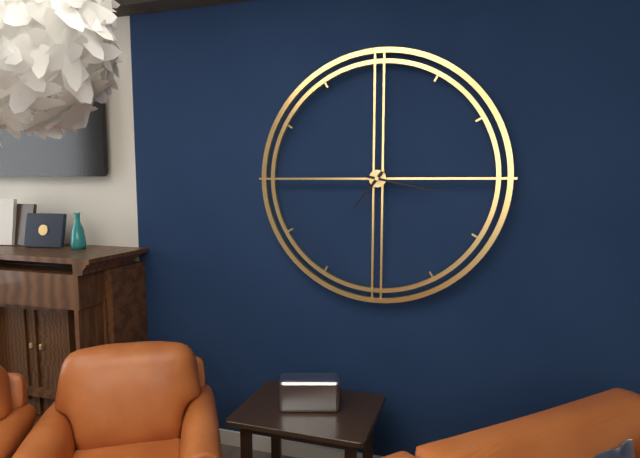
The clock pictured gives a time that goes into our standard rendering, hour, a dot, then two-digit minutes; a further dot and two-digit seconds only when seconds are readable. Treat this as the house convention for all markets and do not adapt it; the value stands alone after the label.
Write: 7.17
